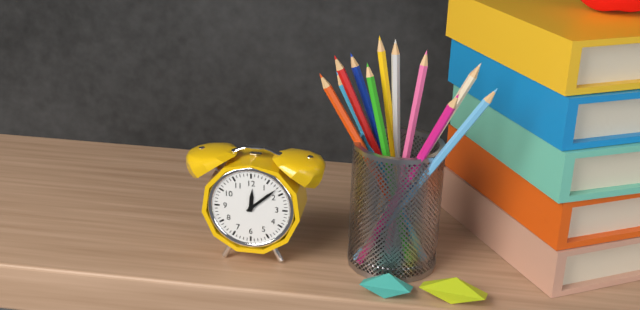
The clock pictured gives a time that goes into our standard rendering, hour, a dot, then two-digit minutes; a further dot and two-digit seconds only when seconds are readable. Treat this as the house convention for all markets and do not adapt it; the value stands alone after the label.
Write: 12.08
